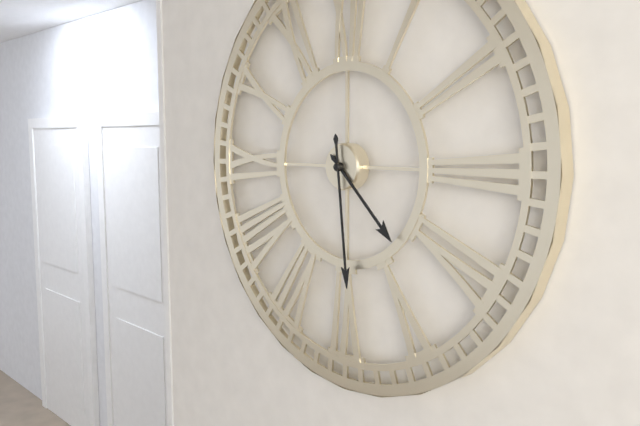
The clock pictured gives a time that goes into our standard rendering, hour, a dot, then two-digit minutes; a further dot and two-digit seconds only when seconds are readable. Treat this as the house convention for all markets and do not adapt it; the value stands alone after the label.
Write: 4.29
